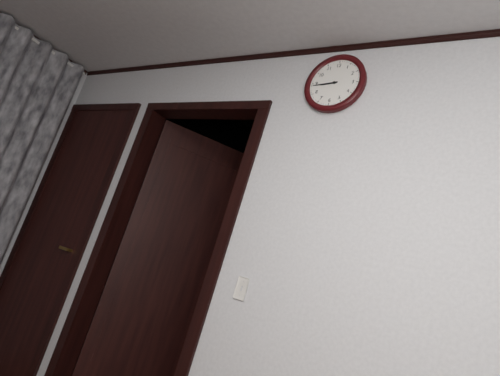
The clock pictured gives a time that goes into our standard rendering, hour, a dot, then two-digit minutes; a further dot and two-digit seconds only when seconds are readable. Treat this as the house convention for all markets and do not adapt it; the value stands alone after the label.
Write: 8.44
